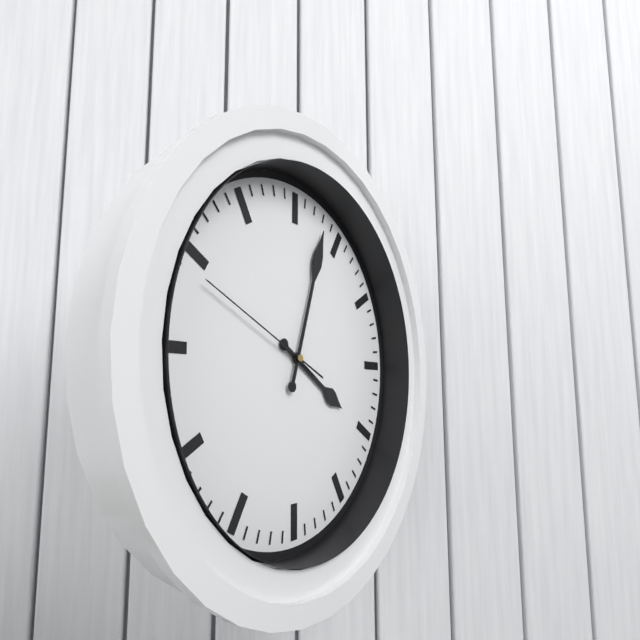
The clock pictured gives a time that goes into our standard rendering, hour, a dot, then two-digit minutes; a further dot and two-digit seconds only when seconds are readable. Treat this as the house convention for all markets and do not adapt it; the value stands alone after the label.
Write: 4.03.49
